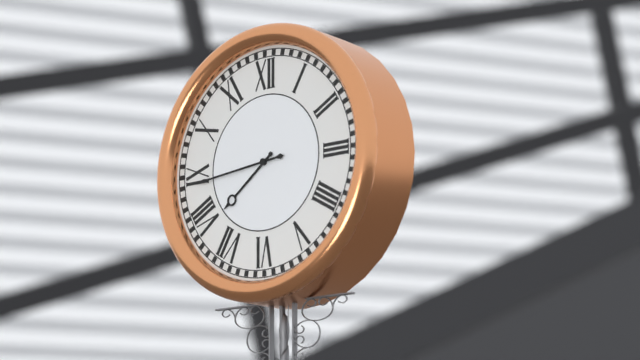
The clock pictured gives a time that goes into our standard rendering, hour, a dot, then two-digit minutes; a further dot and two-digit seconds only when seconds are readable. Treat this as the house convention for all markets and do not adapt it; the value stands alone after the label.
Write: 7.44
